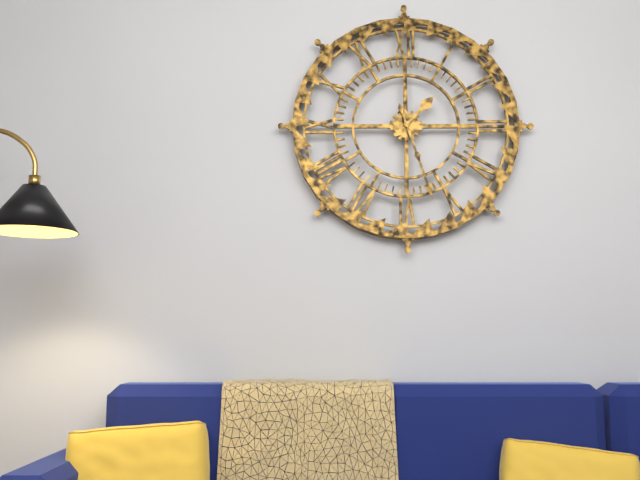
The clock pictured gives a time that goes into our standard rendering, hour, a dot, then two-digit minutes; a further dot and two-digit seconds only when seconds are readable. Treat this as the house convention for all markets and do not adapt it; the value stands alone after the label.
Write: 1.27
